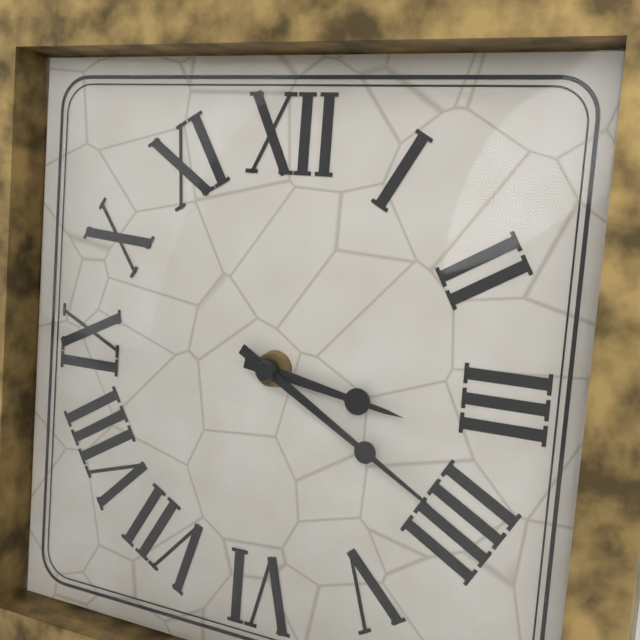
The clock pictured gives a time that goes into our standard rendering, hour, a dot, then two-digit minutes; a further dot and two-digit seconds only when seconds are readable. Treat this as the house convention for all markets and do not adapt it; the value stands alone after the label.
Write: 3.20
